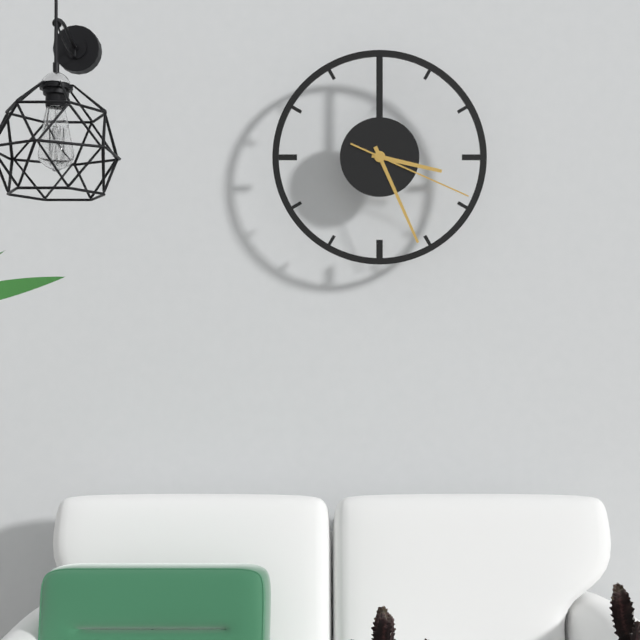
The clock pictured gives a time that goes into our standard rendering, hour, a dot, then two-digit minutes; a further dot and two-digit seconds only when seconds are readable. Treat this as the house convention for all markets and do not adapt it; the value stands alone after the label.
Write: 3.26.19
